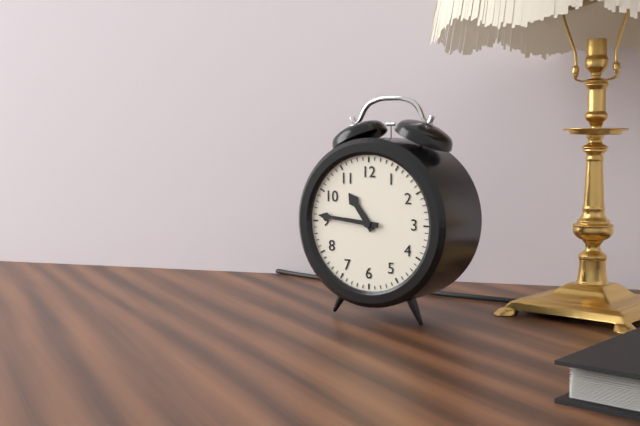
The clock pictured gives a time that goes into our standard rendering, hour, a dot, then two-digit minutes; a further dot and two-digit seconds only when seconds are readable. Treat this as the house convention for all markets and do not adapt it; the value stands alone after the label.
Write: 10.46
